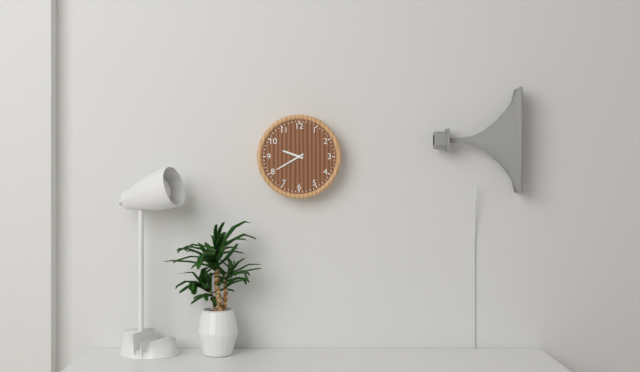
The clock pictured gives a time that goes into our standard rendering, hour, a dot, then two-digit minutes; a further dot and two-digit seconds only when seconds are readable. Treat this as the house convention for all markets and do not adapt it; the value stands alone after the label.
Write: 9.40
